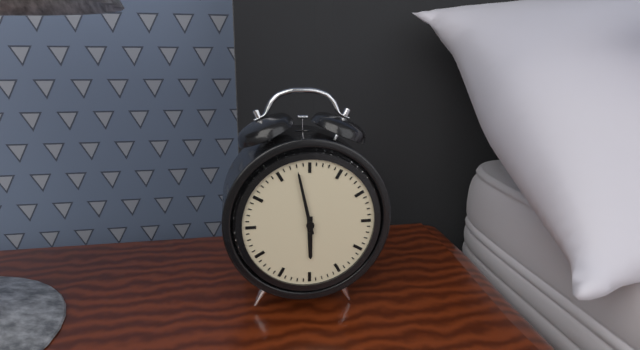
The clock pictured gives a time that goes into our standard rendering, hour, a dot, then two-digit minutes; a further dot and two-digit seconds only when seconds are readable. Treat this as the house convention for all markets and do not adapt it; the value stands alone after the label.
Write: 5.58
